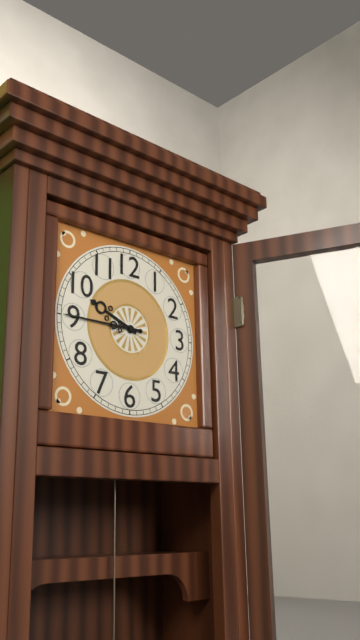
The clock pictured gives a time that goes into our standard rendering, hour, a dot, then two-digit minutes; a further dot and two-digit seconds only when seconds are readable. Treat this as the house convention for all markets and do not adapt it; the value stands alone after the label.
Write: 9.45
